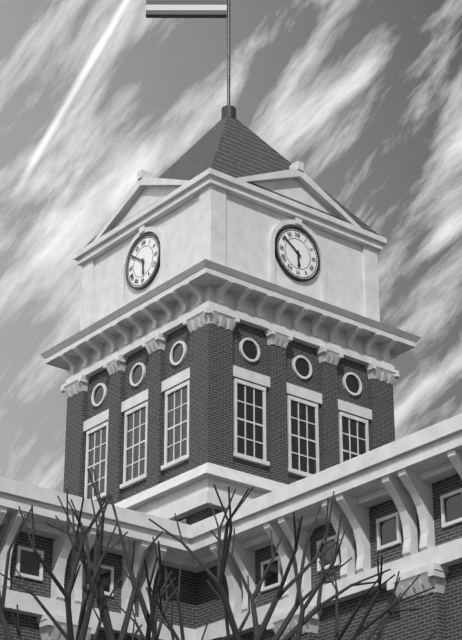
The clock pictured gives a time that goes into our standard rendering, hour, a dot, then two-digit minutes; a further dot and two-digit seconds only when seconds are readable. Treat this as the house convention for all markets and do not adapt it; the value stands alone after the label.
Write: 5.51
